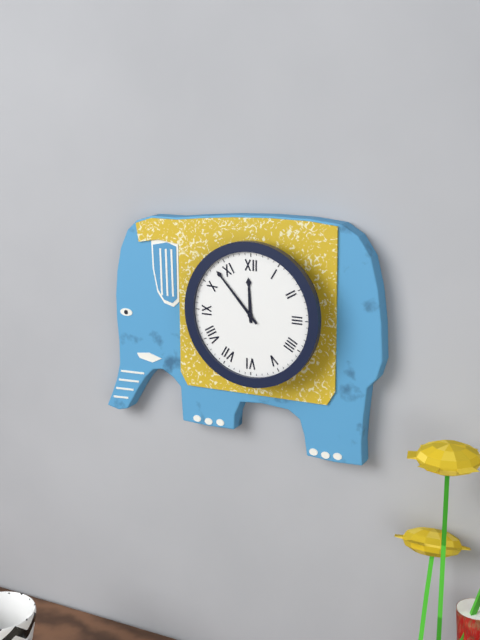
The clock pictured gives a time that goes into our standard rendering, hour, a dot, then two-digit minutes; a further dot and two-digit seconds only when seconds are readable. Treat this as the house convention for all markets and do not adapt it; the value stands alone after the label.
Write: 11.53
